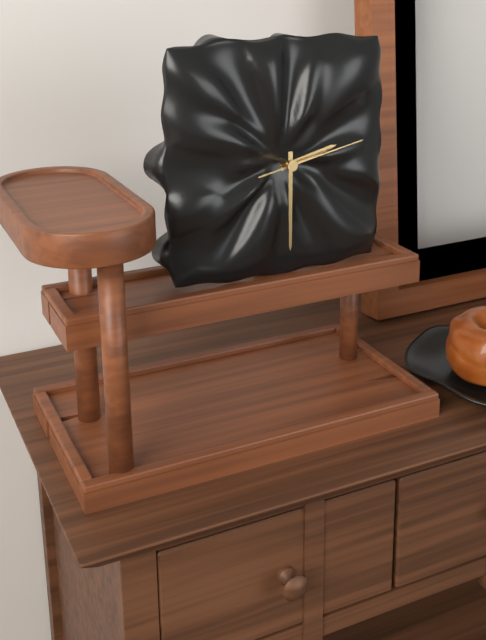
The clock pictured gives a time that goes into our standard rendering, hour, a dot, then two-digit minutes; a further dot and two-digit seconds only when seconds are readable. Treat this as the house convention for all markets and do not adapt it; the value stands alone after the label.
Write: 2.30.13
